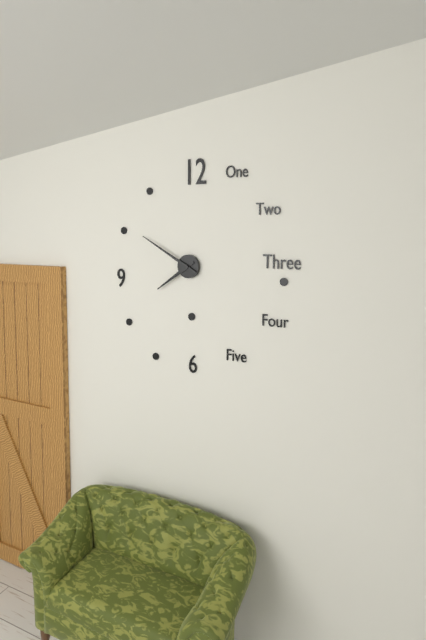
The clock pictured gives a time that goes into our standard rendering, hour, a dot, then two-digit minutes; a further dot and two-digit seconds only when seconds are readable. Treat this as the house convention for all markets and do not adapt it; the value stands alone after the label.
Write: 7.50
